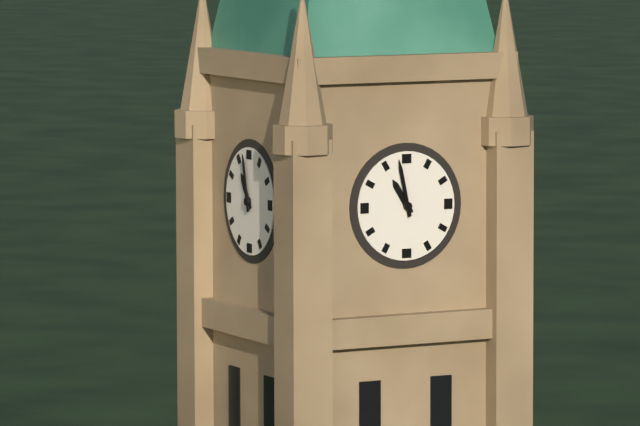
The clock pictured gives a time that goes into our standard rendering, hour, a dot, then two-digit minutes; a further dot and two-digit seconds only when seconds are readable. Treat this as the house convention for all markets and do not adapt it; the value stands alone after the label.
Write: 10.58
